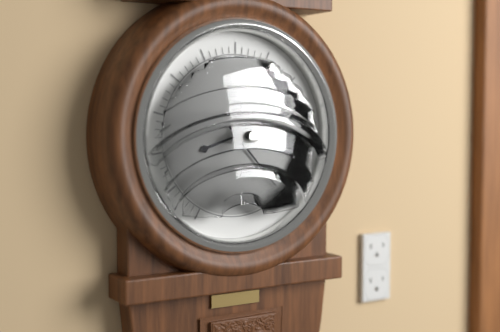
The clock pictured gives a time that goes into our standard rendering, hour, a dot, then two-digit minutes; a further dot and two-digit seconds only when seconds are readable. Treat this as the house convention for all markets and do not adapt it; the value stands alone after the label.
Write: 8.23
